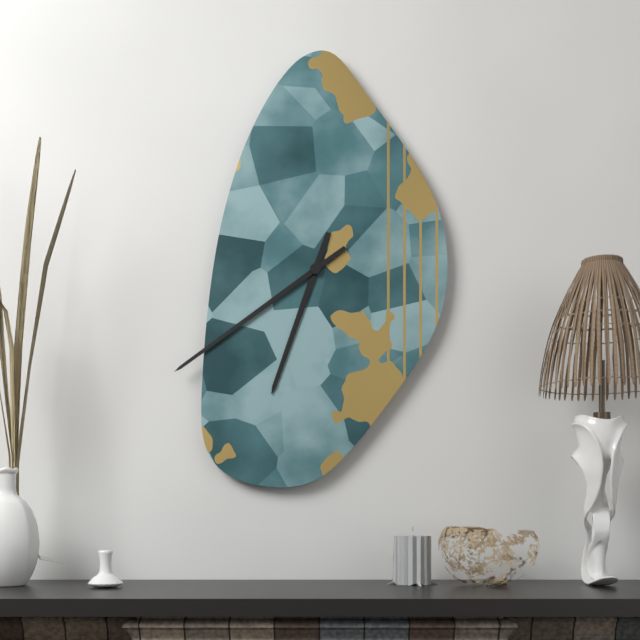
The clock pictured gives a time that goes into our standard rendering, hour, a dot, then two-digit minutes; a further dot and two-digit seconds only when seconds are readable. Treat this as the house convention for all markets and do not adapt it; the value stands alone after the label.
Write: 6.39
